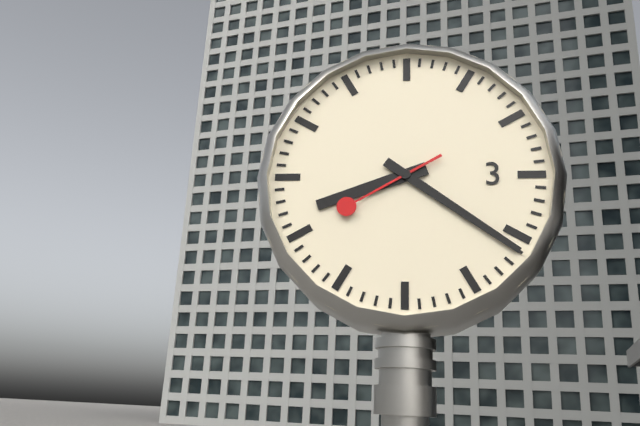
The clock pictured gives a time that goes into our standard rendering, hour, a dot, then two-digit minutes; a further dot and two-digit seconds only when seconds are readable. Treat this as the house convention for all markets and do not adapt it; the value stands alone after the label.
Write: 8.21.40
